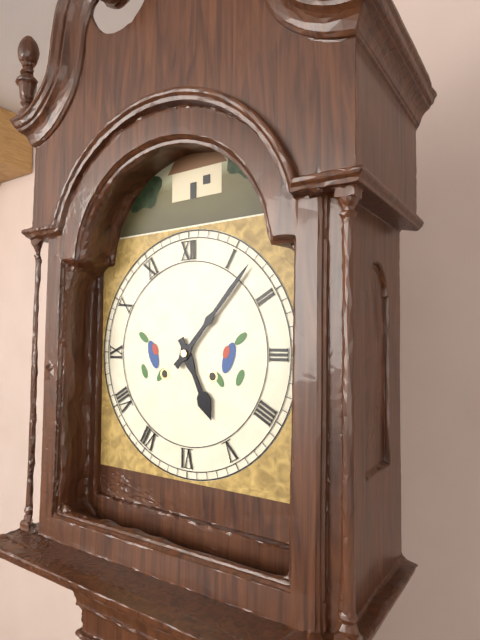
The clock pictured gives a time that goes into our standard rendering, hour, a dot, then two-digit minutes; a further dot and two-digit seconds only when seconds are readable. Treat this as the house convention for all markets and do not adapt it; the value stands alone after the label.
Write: 5.07
